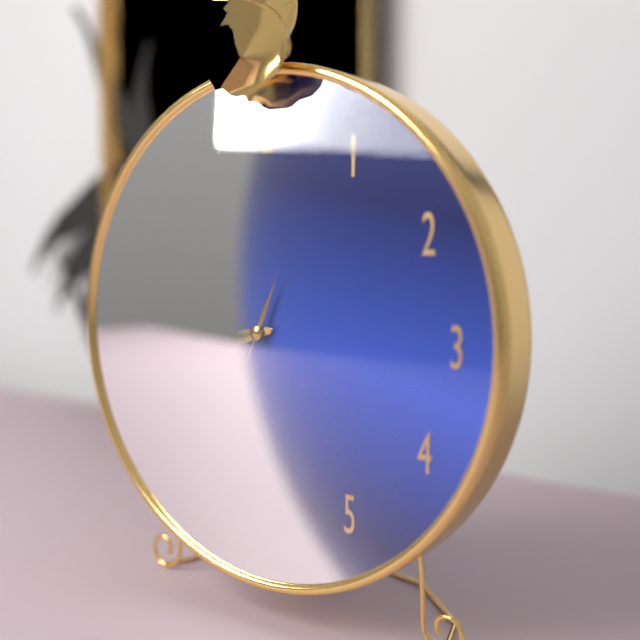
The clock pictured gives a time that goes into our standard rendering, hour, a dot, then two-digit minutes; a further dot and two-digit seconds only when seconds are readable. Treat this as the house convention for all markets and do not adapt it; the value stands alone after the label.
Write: 8.42.34
